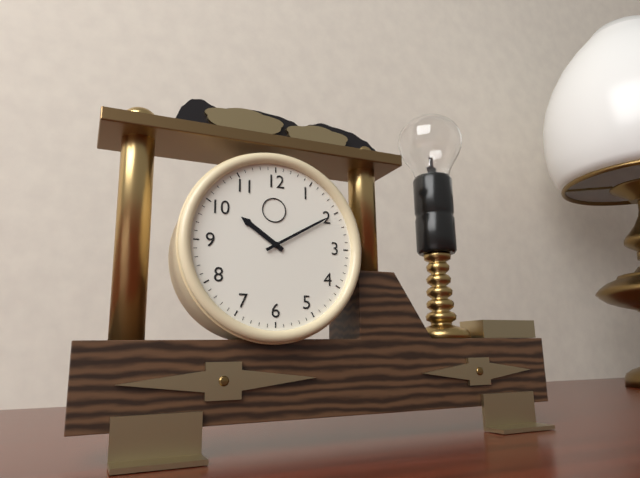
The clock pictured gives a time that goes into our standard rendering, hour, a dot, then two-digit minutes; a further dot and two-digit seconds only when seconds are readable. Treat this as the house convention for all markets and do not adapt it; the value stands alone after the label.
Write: 10.10
